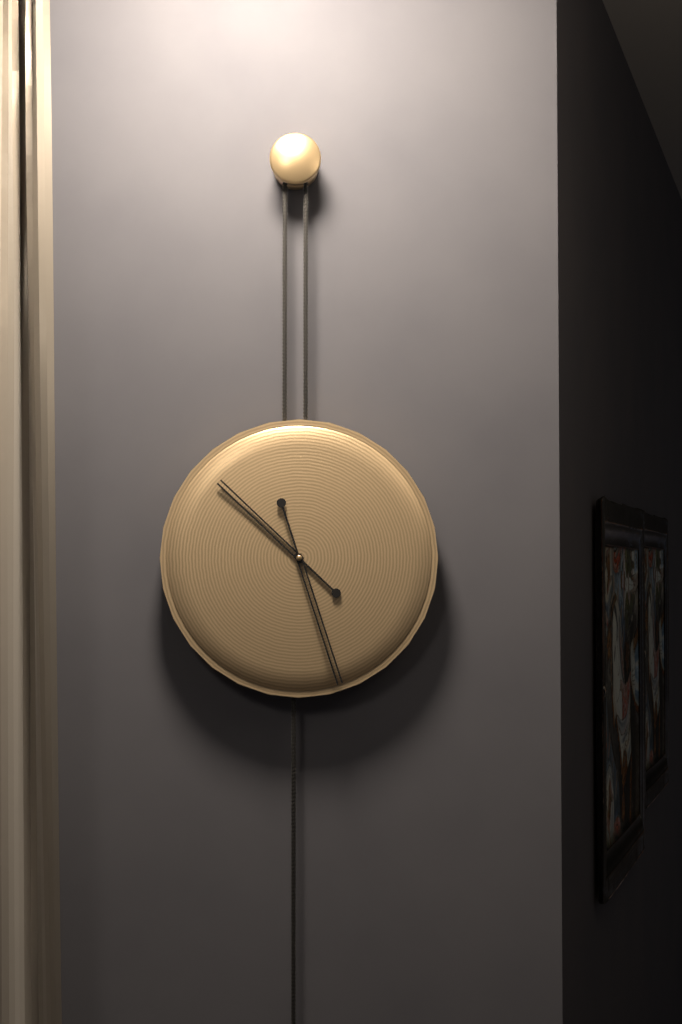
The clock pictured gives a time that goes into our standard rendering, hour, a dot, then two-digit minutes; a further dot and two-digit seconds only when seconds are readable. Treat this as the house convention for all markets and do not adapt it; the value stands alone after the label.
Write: 10.27
